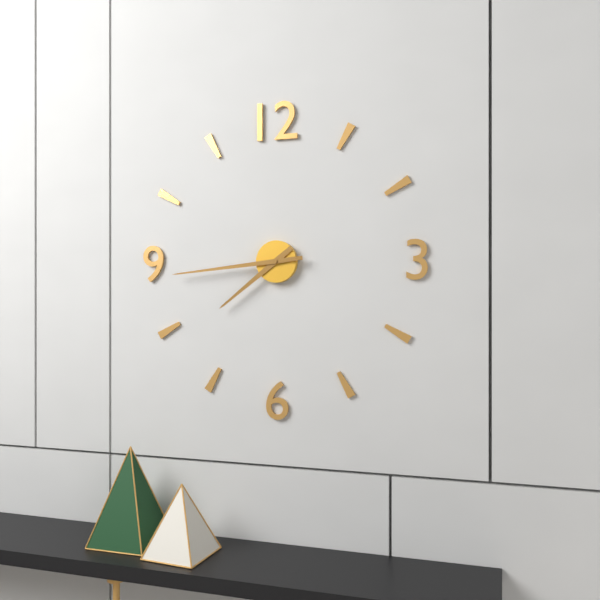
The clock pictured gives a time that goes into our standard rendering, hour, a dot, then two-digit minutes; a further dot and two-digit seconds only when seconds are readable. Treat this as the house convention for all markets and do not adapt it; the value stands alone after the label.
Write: 7.44
